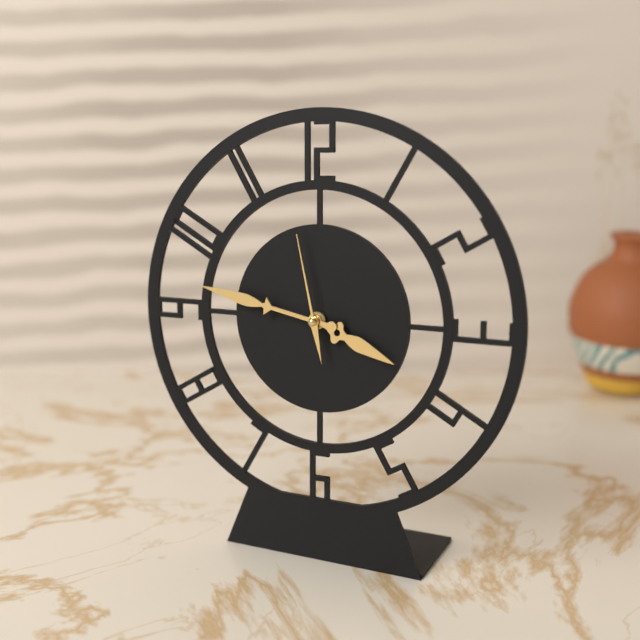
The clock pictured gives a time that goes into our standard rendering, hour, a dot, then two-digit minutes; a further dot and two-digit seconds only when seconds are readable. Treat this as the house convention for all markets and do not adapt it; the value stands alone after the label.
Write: 3.47.58
